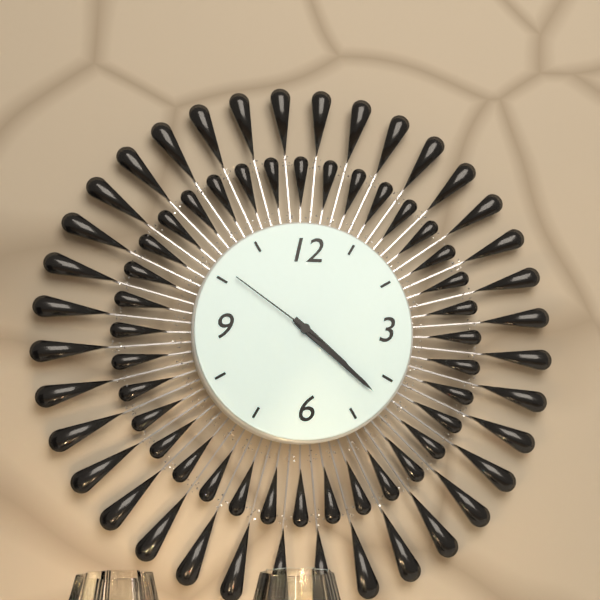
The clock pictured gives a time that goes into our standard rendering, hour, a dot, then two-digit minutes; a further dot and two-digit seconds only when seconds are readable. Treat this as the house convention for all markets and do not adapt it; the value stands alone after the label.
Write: 4.22.51
